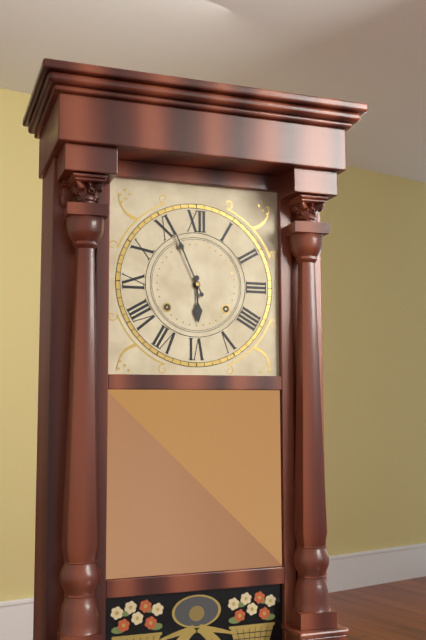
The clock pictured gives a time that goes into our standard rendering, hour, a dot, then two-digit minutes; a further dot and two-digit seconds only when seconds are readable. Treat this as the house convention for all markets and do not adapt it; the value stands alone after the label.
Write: 5.56
